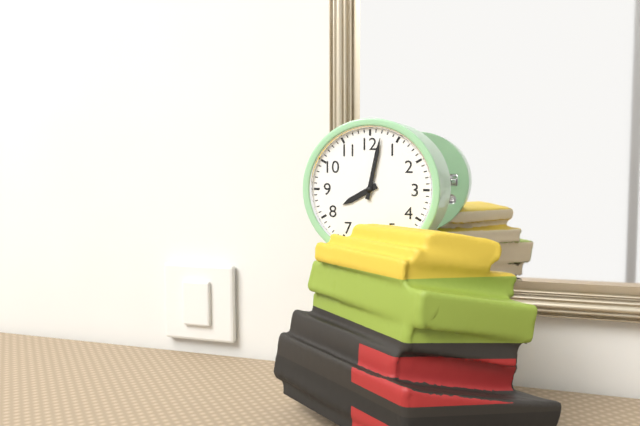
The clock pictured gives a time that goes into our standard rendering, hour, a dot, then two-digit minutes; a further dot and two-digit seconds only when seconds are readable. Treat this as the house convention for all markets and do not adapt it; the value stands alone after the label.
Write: 8.02
